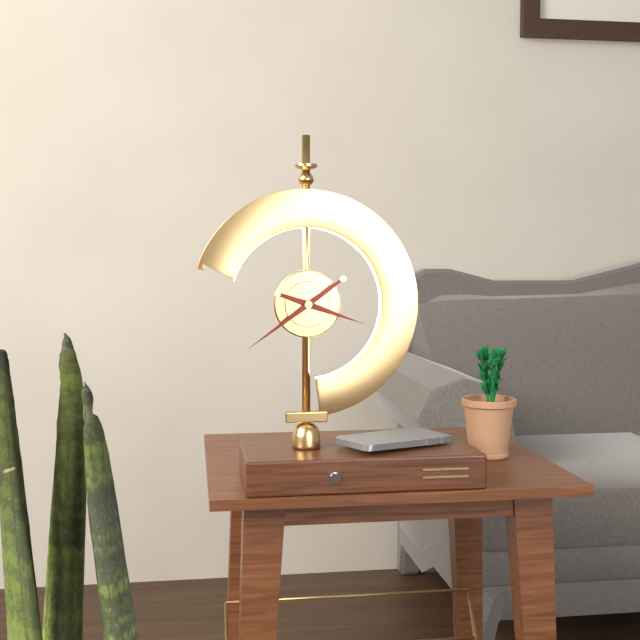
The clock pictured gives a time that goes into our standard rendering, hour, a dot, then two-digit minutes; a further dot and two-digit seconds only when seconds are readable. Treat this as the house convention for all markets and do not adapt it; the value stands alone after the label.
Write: 3.39
